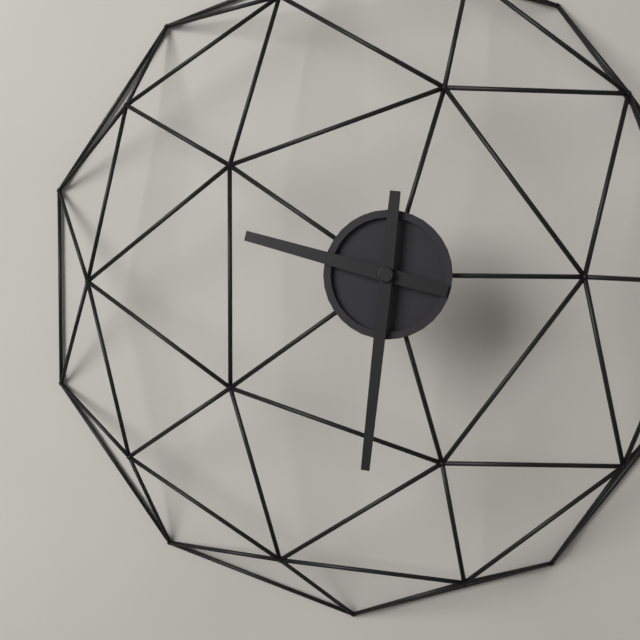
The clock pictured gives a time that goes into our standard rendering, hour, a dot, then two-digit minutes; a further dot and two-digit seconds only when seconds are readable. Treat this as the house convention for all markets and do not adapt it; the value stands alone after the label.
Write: 9.31
